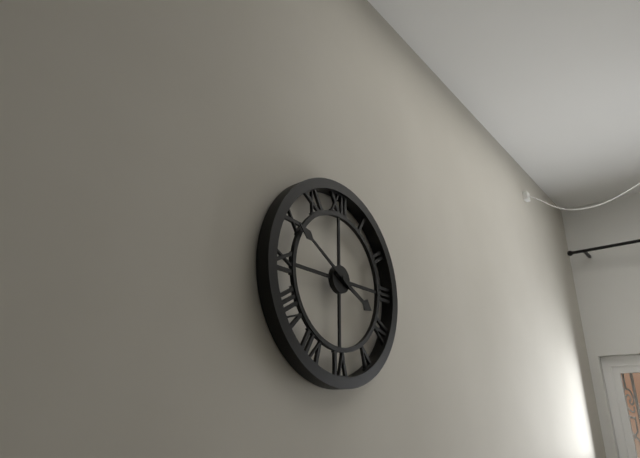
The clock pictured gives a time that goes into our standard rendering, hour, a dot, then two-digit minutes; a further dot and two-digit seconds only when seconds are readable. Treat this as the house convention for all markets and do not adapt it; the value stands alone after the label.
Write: 3.50
